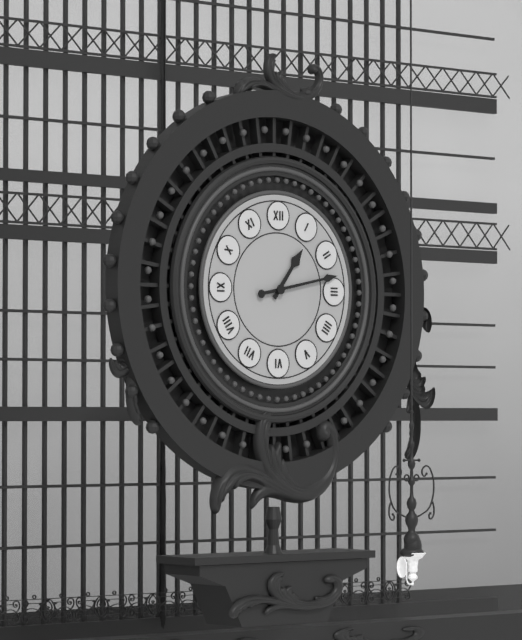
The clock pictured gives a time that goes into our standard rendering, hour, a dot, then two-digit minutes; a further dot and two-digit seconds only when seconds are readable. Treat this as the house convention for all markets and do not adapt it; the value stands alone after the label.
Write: 1.13
